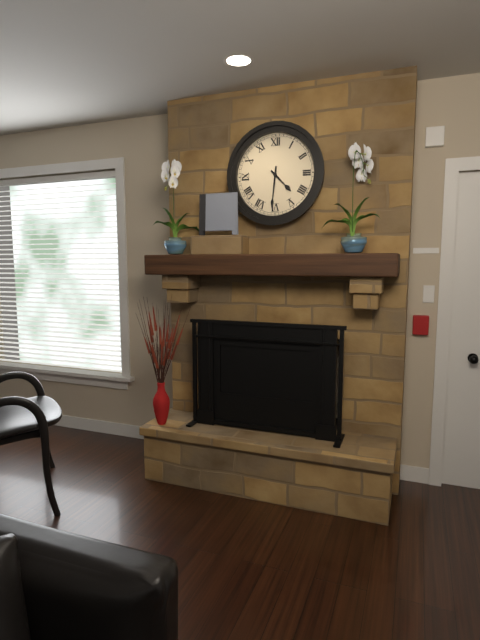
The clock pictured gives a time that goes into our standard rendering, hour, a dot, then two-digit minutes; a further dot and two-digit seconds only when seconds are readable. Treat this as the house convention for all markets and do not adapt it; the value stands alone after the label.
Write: 4.31
